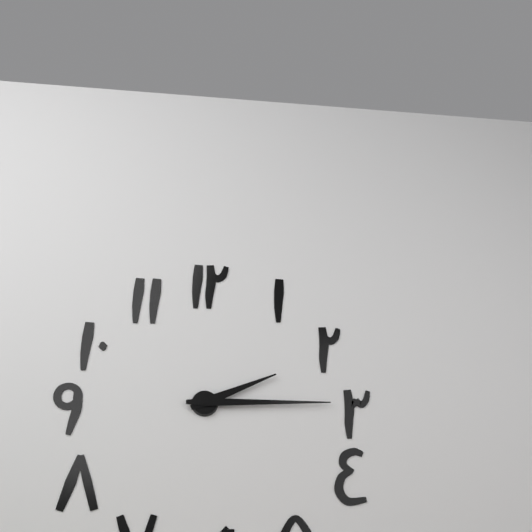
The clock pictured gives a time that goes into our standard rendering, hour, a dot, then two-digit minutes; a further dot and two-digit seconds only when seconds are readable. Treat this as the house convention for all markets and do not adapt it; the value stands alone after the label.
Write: 2.15
